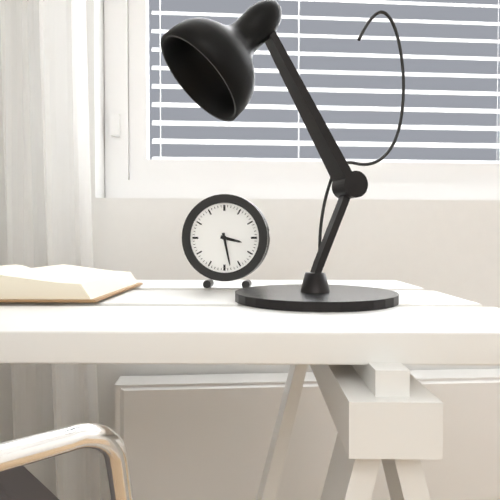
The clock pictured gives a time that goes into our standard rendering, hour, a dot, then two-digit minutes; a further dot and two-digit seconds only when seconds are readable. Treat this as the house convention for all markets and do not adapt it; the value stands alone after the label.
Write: 3.28
